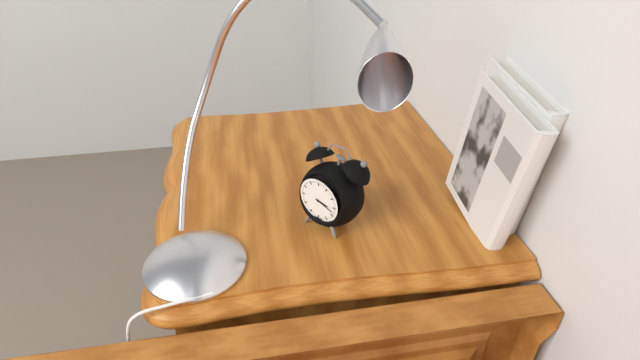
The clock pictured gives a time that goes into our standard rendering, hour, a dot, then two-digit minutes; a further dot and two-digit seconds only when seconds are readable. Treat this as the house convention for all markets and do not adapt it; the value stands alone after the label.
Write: 3.18
